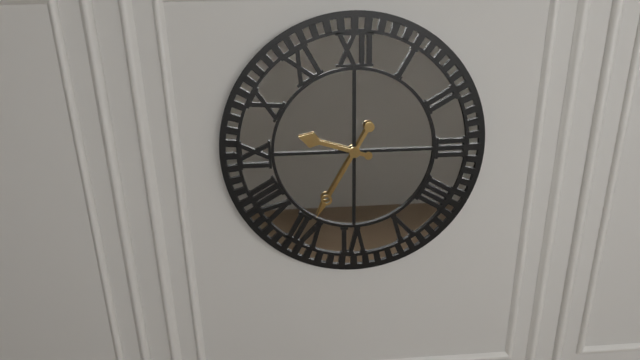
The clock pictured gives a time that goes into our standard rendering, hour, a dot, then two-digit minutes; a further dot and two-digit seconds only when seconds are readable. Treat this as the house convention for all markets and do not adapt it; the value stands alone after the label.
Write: 9.35
